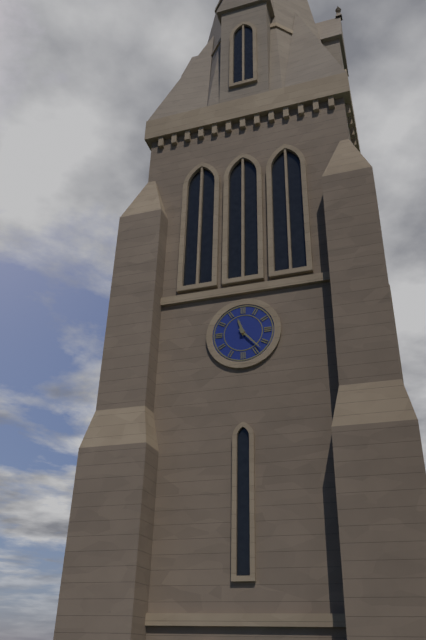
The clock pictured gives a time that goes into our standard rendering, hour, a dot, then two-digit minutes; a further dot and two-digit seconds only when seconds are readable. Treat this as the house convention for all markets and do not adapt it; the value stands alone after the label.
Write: 11.23
